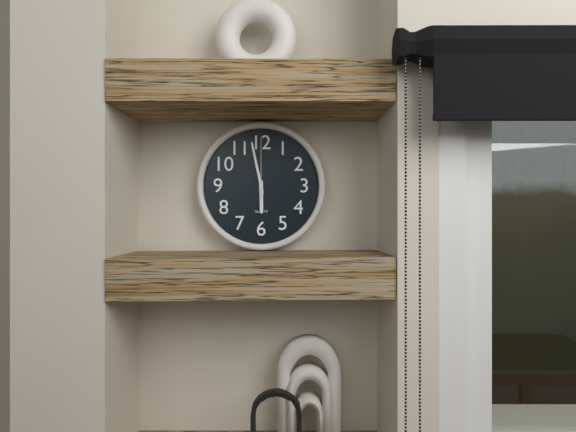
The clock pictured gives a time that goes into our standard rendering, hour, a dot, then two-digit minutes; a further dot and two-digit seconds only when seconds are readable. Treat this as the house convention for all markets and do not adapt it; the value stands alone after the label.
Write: 5.58.00
